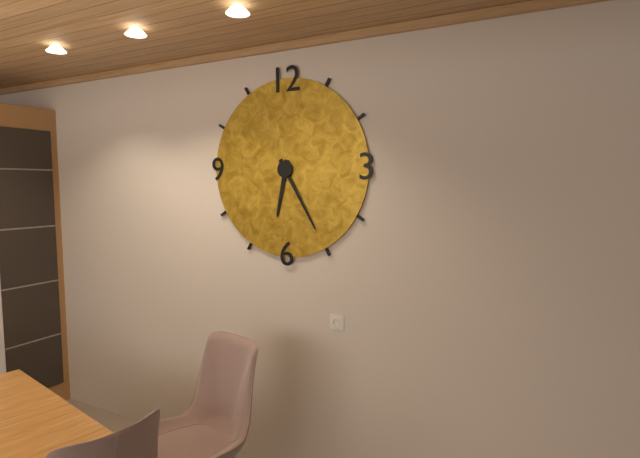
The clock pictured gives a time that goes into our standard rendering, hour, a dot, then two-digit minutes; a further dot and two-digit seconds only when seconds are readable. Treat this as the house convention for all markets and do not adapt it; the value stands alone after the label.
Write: 6.25
